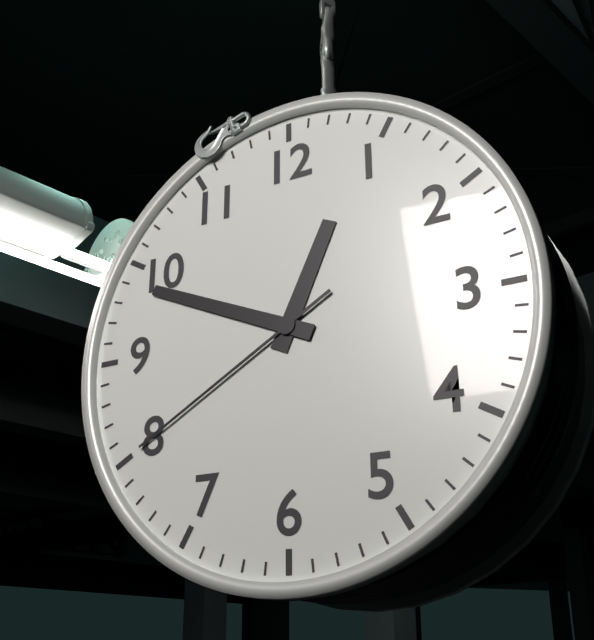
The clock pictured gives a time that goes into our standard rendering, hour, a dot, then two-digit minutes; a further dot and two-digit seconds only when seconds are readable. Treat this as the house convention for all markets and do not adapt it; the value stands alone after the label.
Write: 12.49.40
